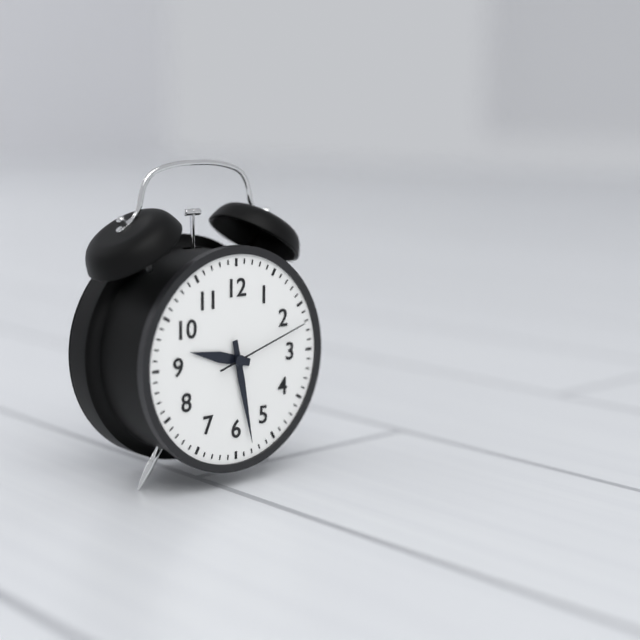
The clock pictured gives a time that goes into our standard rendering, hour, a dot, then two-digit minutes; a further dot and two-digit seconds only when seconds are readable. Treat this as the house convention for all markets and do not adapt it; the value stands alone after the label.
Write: 9.28.12
